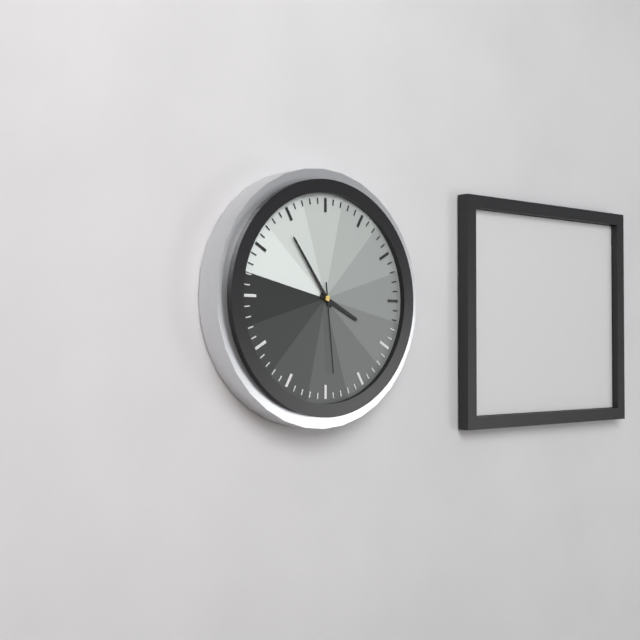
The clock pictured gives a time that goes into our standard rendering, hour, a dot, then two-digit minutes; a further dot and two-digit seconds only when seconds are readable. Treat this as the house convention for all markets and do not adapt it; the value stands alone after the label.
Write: 3.54.29
